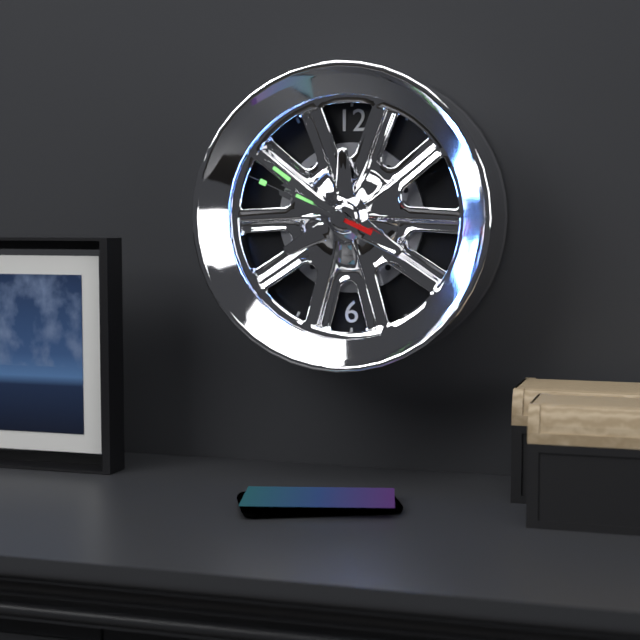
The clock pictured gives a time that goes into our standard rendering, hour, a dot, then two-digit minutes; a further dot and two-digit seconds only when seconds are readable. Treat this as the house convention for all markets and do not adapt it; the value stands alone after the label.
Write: 9.51.49
